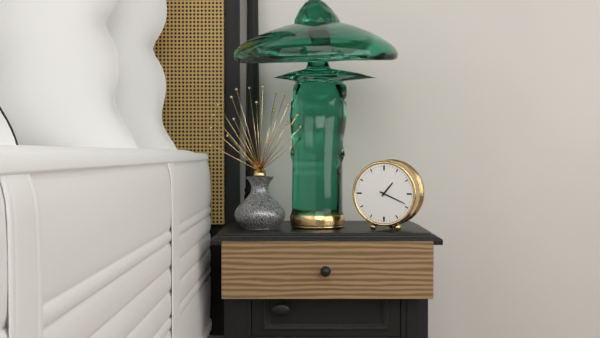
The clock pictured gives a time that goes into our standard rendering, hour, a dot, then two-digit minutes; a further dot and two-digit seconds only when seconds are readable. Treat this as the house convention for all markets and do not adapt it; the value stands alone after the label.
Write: 1.19
